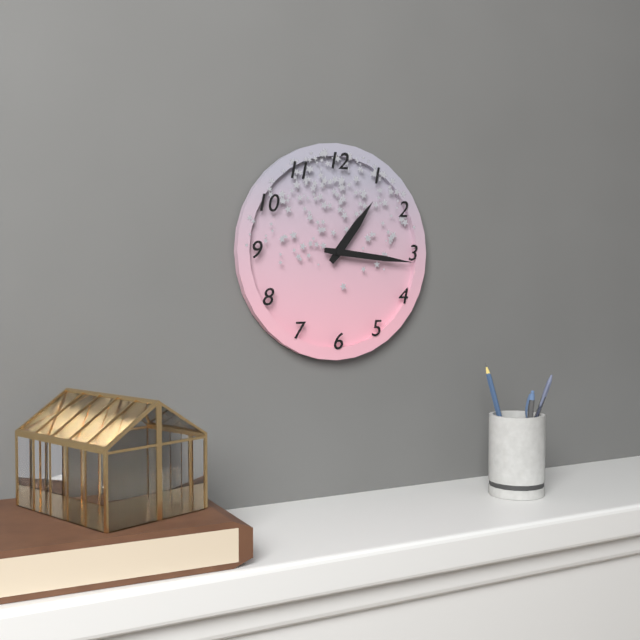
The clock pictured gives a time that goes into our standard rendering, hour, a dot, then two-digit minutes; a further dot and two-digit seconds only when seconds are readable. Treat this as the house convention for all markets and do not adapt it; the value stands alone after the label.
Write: 1.16
